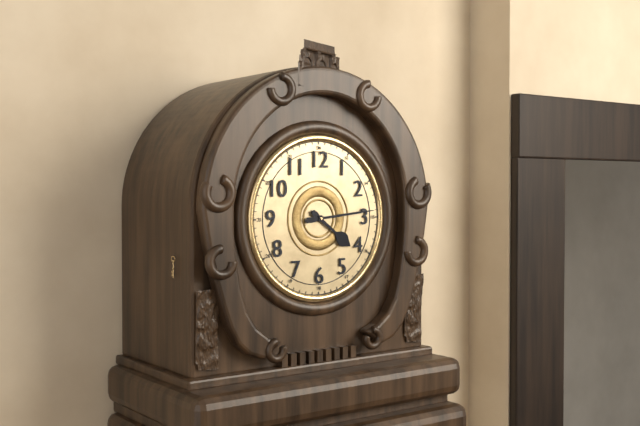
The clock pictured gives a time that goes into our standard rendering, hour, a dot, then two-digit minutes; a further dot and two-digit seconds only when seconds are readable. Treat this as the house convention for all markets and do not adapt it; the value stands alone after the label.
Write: 4.14
